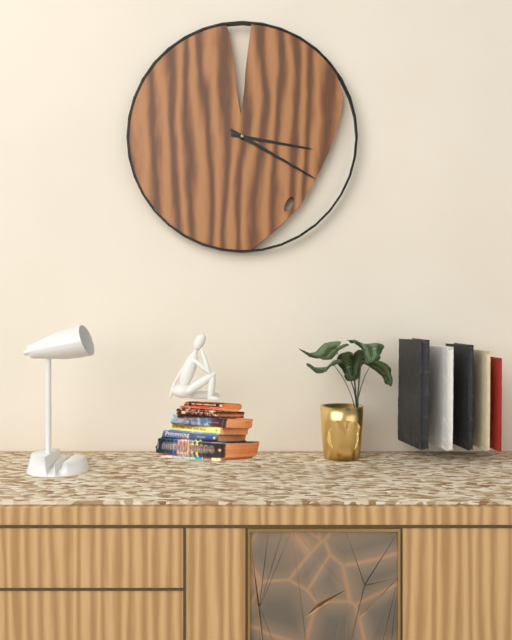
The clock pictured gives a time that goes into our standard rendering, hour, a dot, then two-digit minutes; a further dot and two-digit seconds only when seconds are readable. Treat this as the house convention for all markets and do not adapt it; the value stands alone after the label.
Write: 3.20
